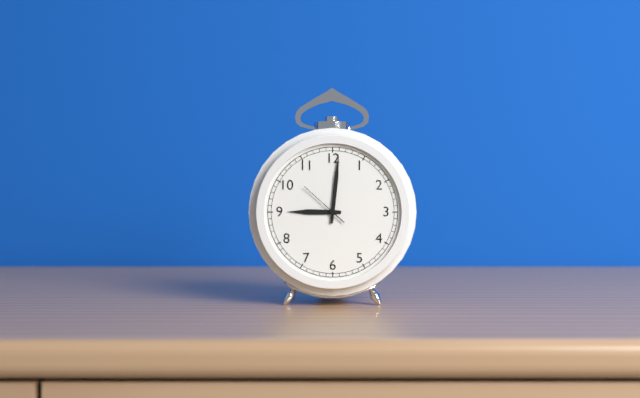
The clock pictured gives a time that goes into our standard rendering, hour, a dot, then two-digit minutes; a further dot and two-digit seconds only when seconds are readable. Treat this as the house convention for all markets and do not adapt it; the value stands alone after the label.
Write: 9.01
